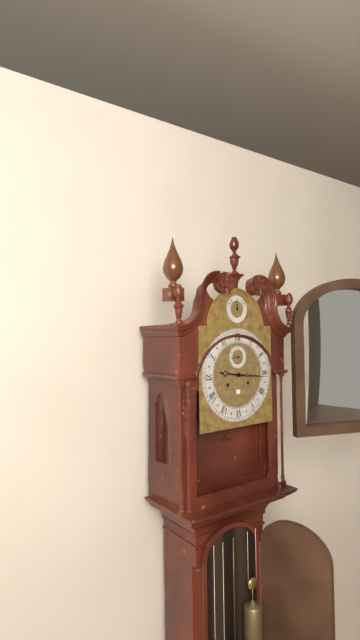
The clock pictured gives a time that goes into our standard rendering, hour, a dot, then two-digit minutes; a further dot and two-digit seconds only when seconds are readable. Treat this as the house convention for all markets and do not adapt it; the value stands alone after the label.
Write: 9.16
